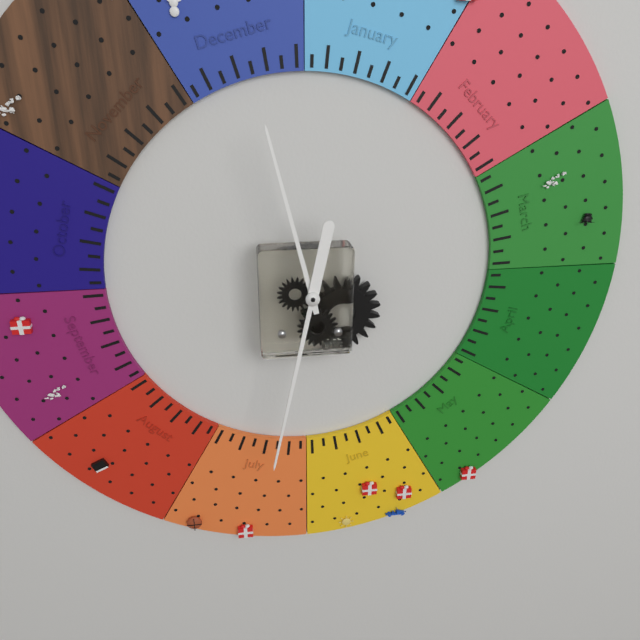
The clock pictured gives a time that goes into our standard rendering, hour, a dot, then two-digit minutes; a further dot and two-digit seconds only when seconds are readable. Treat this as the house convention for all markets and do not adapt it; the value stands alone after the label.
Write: 11.32
